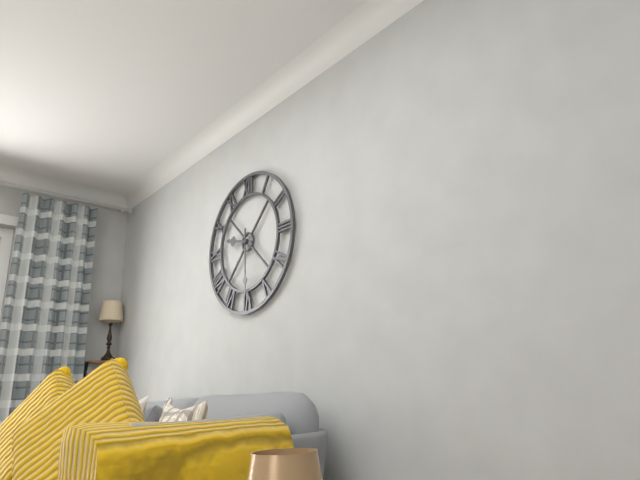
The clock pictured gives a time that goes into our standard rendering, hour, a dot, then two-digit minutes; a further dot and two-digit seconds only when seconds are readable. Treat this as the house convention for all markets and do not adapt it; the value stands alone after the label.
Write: 9.30
